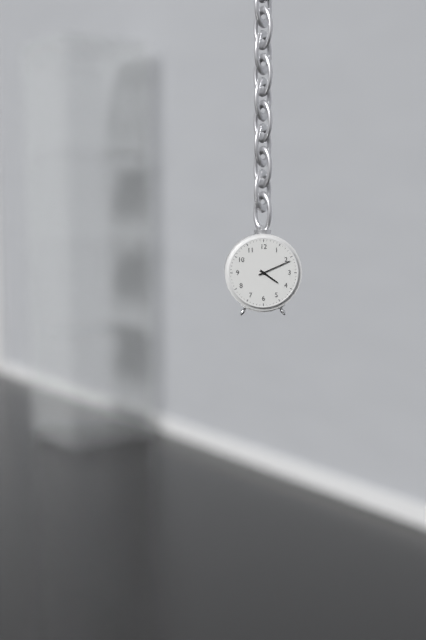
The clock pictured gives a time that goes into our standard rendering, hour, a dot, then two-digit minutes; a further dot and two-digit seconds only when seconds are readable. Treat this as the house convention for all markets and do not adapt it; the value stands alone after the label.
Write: 4.11
